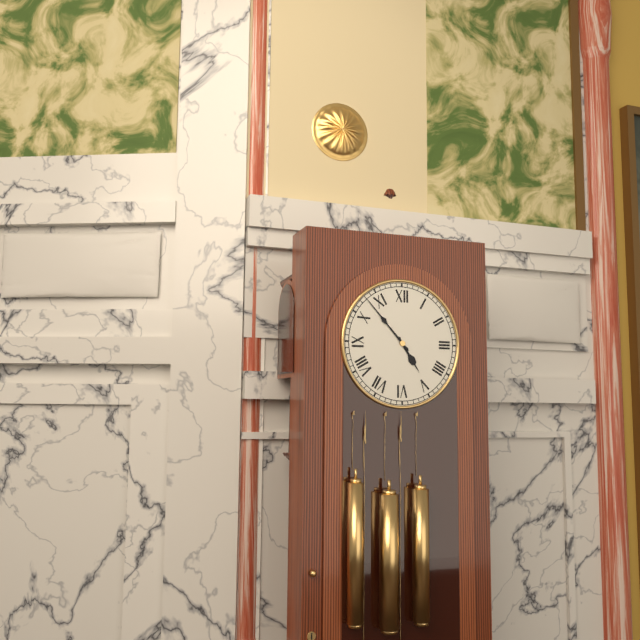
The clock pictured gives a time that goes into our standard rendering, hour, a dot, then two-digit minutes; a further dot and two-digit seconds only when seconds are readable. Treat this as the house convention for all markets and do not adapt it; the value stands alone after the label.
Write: 4.53
